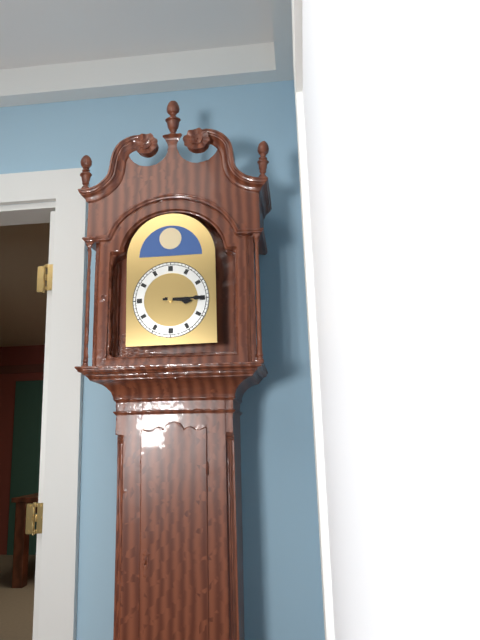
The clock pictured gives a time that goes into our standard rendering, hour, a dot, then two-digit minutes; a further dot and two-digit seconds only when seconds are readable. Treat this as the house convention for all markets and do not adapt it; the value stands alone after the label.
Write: 3.15
